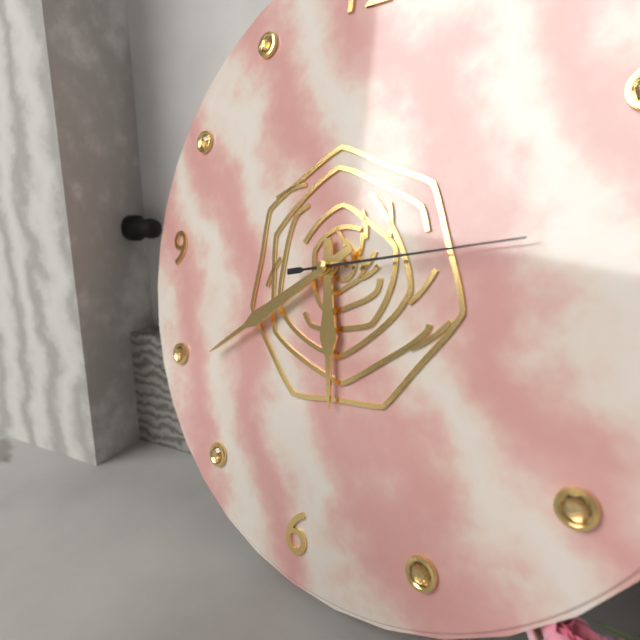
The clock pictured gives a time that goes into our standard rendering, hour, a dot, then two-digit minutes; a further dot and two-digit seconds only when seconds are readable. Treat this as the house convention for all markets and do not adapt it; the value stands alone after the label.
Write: 5.39.13
